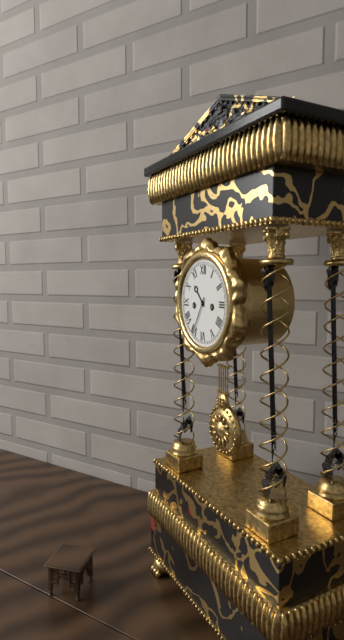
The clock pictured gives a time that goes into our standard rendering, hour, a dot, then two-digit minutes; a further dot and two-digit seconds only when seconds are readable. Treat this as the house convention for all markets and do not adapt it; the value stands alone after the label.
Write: 10.35
